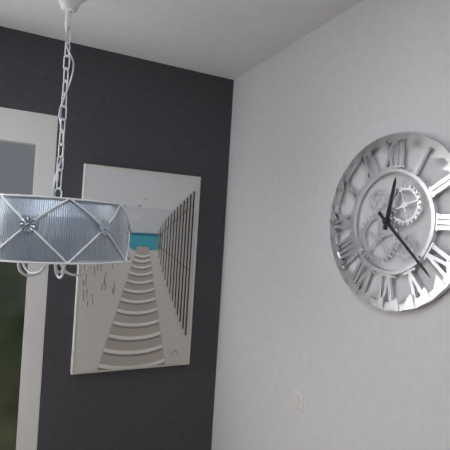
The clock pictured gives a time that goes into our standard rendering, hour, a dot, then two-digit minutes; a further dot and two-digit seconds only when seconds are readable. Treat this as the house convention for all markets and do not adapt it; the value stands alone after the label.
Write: 12.22
